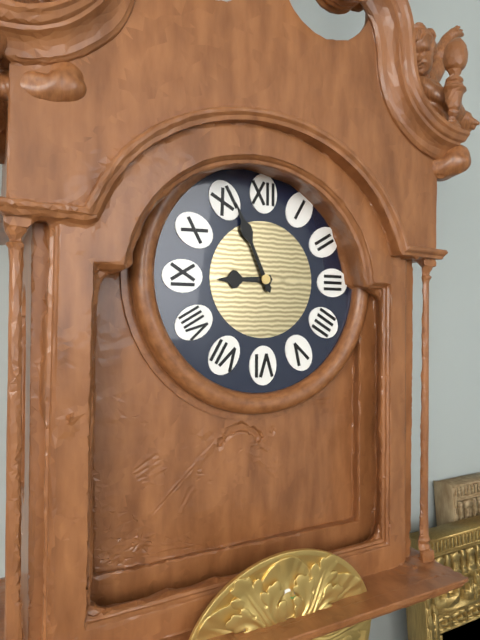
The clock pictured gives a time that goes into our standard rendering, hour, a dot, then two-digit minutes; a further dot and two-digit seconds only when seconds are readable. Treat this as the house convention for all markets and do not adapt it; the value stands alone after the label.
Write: 8.56
